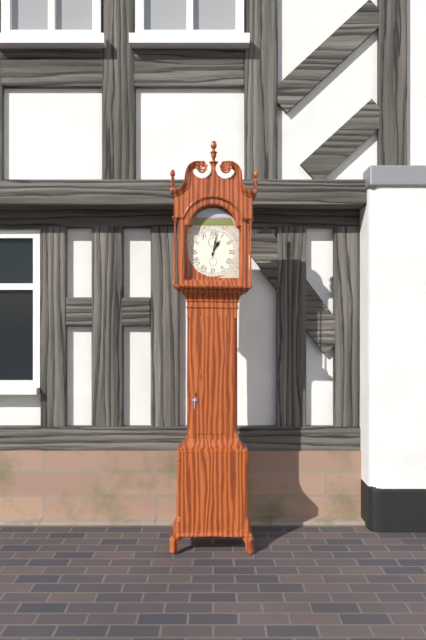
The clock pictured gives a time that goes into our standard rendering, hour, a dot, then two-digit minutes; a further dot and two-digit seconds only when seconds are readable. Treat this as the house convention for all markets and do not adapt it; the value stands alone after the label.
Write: 1.02
